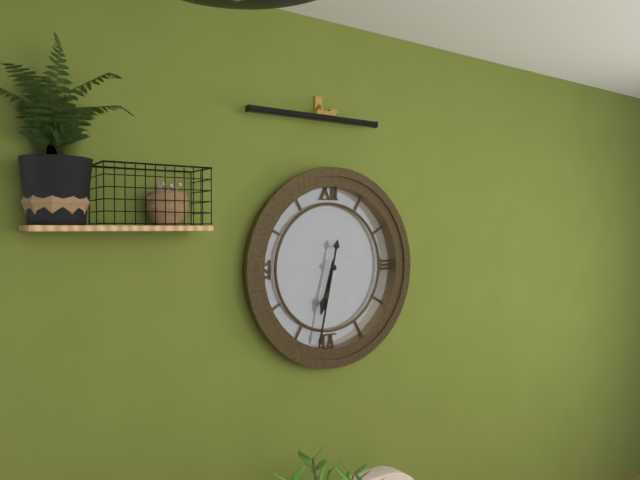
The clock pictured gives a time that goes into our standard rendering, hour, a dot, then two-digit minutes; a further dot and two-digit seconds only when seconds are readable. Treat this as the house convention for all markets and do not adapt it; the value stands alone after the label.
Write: 6.32
